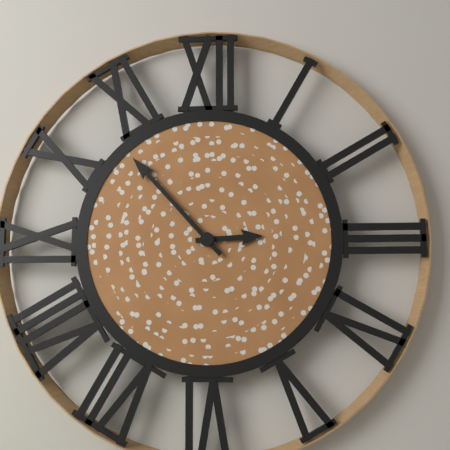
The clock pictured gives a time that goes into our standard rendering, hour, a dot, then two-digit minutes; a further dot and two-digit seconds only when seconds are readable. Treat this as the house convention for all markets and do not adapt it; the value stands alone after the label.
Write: 2.53
